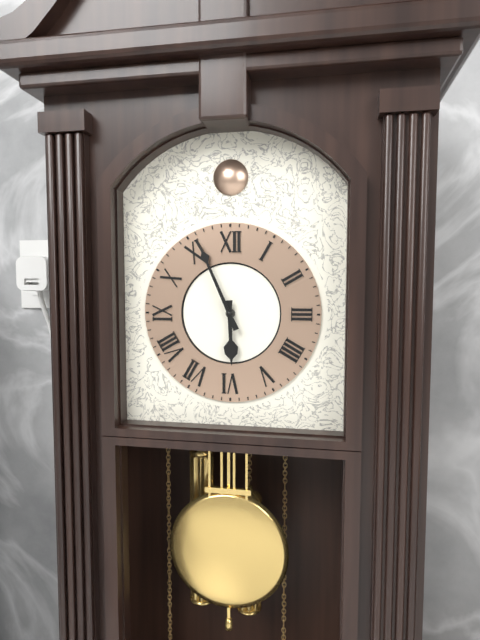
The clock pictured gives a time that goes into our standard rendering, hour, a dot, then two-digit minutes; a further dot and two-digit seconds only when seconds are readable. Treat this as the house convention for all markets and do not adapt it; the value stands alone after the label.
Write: 5.56
